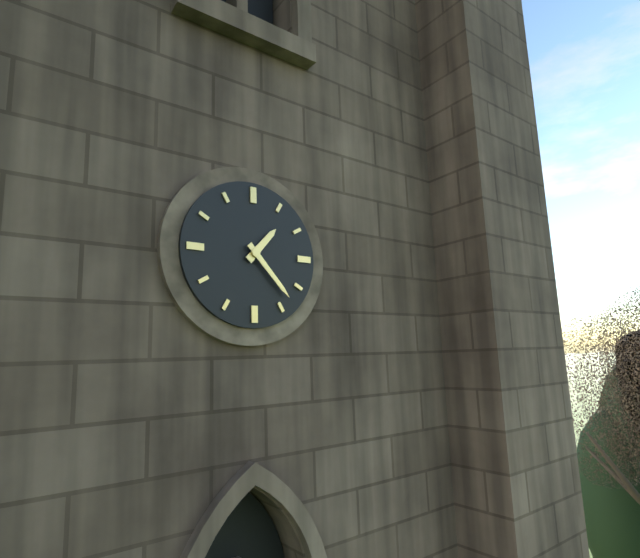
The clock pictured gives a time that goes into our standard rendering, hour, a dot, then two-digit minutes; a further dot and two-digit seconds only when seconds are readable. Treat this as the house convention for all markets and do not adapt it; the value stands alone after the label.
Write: 1.23
